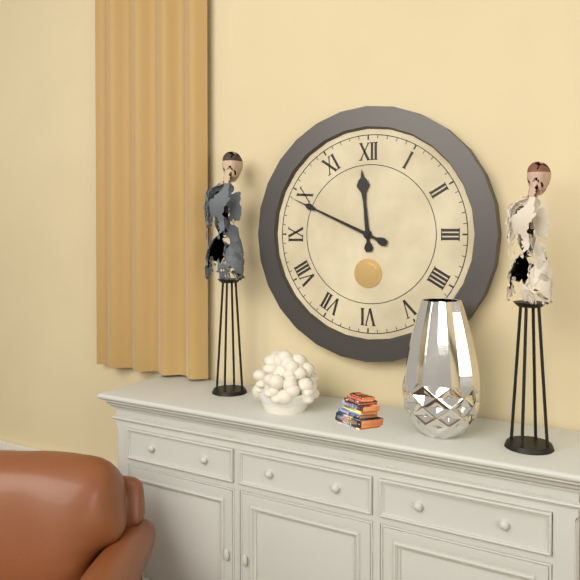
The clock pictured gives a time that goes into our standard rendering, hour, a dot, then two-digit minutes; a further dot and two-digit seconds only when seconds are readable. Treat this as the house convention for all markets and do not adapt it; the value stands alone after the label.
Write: 11.49
